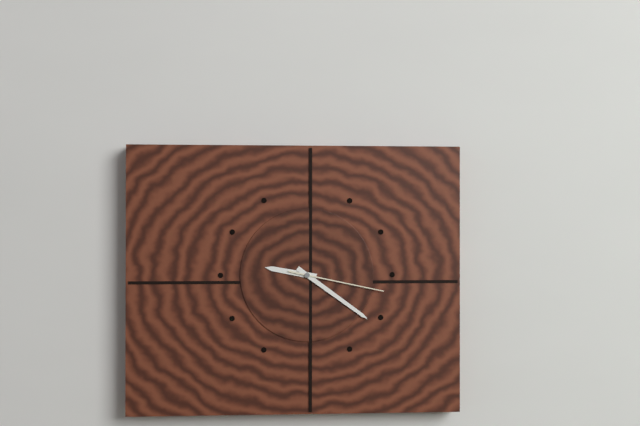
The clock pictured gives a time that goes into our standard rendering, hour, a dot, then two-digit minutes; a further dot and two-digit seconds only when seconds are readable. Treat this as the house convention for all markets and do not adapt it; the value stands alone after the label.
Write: 9.21.17
